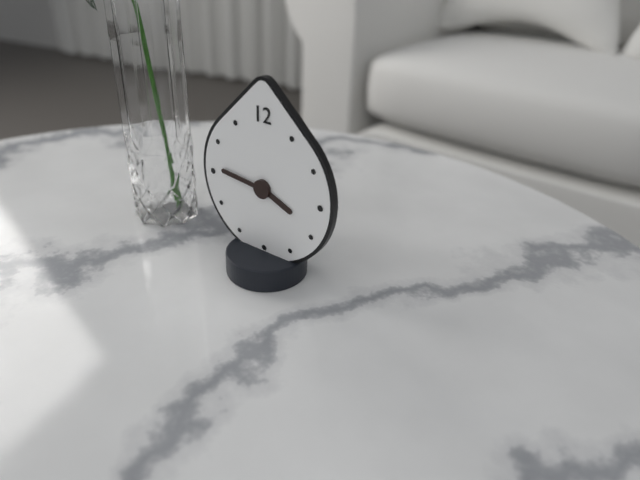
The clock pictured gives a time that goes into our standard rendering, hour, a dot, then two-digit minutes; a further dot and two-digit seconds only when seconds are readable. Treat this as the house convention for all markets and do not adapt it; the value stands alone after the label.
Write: 3.46
